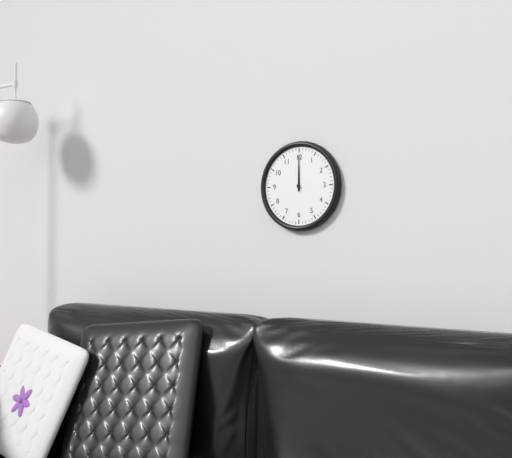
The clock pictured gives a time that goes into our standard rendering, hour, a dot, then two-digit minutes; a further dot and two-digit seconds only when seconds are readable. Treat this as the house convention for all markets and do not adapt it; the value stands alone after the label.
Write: 12.00
